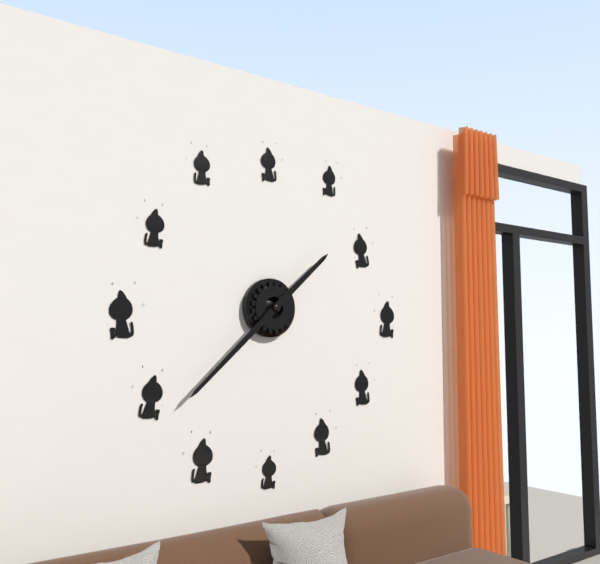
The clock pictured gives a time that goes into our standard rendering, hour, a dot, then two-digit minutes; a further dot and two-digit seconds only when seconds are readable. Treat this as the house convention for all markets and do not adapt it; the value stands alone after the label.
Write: 1.38
